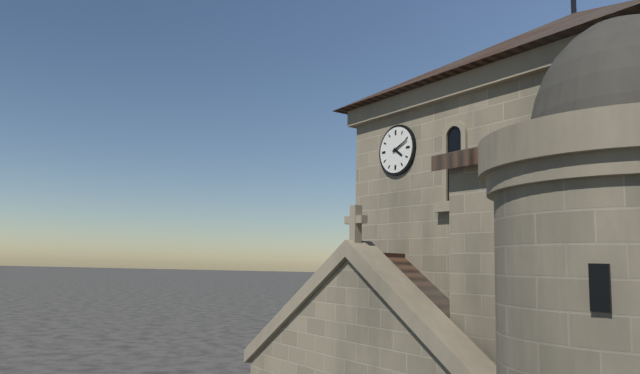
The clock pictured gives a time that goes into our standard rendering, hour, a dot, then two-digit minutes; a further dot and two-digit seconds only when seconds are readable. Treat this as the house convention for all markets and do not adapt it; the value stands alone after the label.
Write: 4.11
